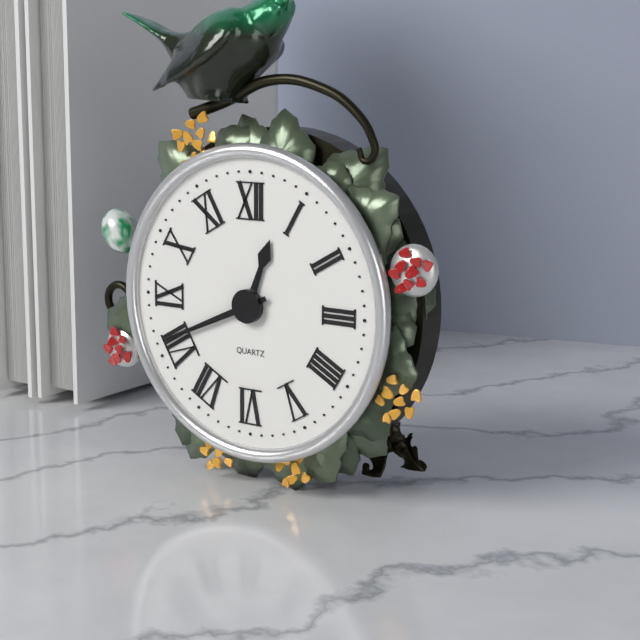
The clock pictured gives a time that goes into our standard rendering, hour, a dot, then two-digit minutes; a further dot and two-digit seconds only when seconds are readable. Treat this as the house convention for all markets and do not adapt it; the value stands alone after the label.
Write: 12.41
